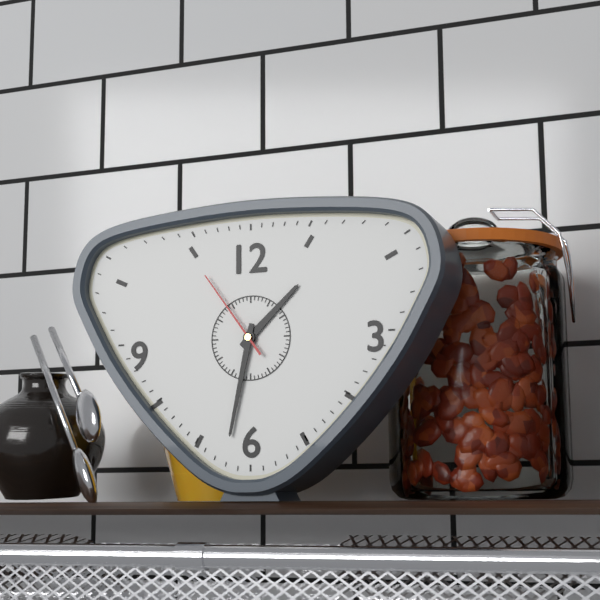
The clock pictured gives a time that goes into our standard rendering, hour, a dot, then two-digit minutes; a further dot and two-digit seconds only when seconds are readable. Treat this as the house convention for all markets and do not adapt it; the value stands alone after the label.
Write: 1.32.54
